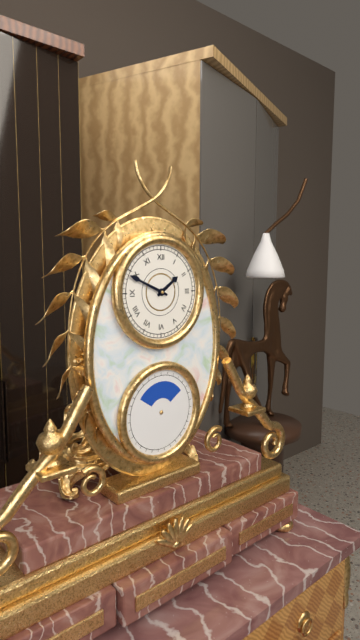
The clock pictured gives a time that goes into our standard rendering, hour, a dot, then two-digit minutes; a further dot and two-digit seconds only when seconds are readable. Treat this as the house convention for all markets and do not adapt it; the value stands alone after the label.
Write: 1.49
